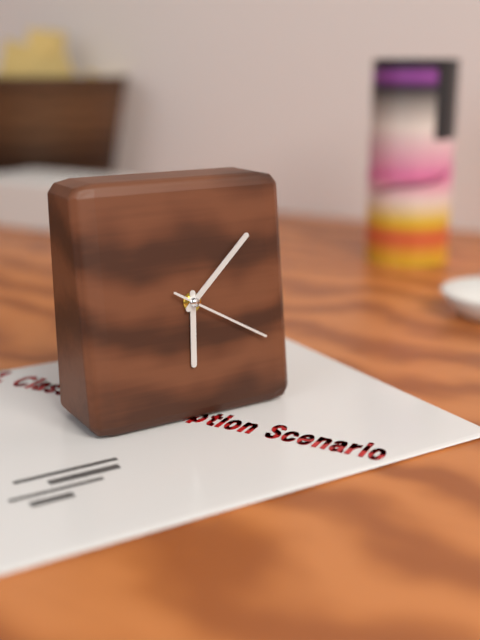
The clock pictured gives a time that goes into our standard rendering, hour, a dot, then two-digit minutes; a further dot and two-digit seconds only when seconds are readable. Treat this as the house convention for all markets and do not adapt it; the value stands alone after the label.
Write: 6.08.20
